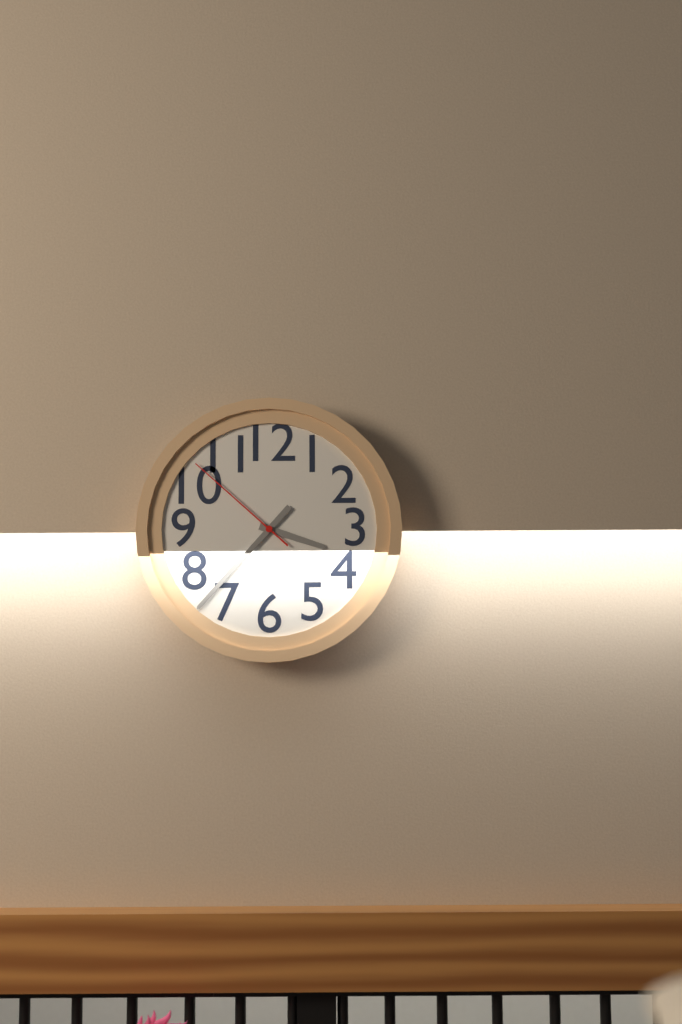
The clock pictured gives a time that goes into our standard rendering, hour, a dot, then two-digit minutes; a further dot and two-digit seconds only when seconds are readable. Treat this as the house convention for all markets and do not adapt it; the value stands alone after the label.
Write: 3.37.52
